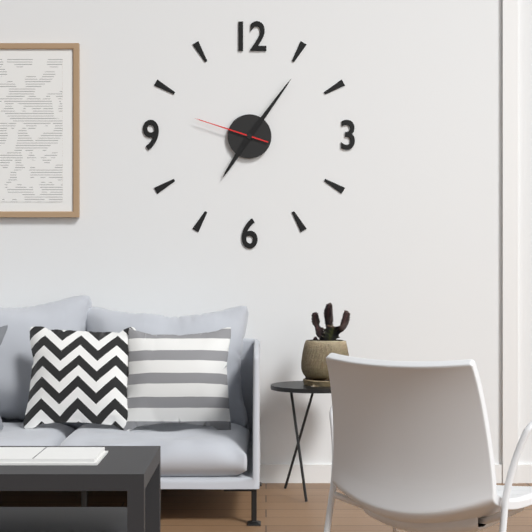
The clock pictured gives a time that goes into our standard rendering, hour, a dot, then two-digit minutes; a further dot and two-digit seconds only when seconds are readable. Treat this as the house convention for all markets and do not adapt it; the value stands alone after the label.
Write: 7.06.48
